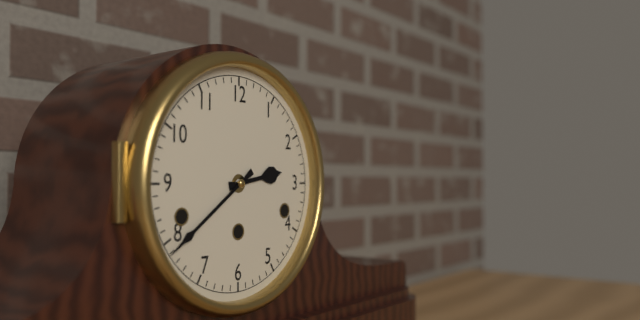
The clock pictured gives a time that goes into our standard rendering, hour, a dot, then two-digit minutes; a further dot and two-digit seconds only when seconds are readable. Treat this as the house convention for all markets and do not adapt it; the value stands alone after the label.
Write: 2.39
